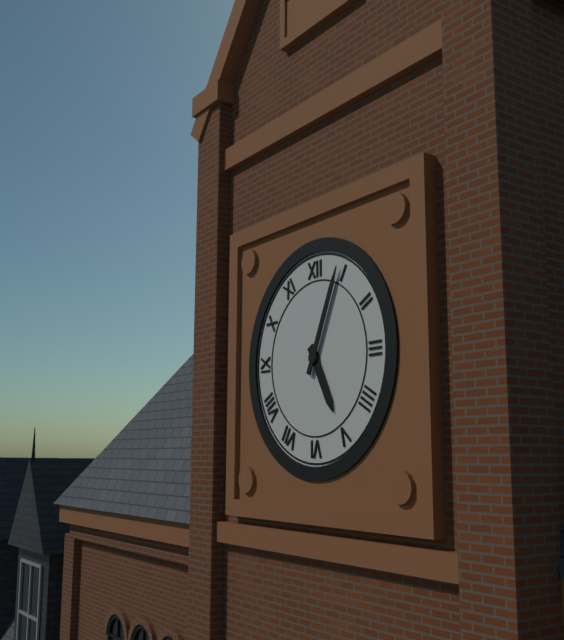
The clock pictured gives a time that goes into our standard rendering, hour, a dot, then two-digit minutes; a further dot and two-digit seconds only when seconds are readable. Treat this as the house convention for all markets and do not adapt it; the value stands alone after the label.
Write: 5.04
